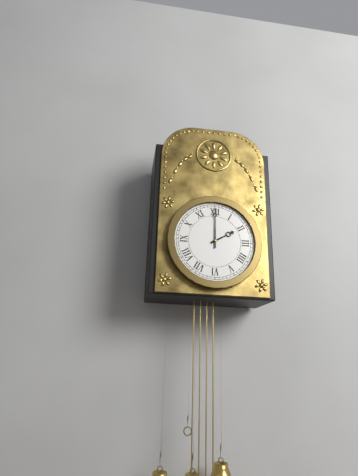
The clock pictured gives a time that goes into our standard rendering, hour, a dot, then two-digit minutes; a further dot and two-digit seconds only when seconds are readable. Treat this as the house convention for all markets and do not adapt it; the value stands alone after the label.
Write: 2.00
